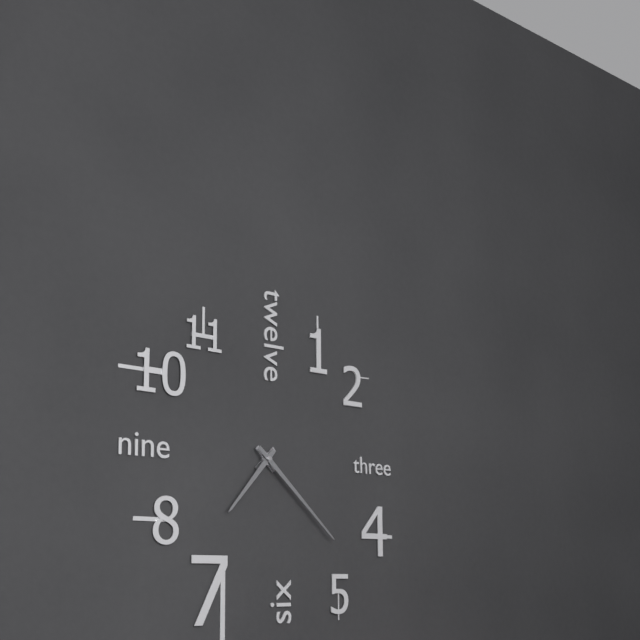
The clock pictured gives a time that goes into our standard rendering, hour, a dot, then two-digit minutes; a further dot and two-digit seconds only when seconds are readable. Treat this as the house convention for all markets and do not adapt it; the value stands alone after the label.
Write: 7.22
